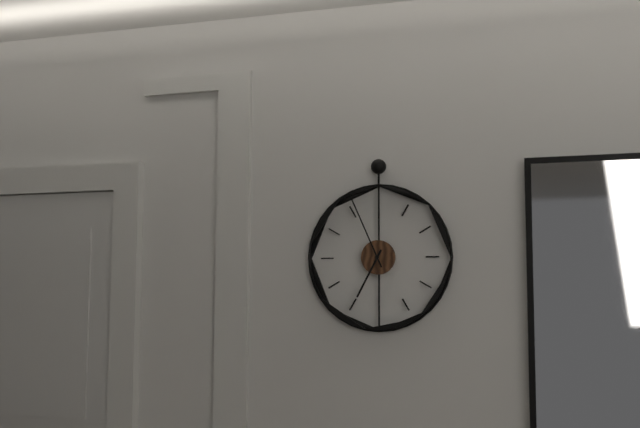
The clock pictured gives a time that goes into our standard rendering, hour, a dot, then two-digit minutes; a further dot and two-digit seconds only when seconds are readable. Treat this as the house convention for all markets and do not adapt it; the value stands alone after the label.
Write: 6.56
